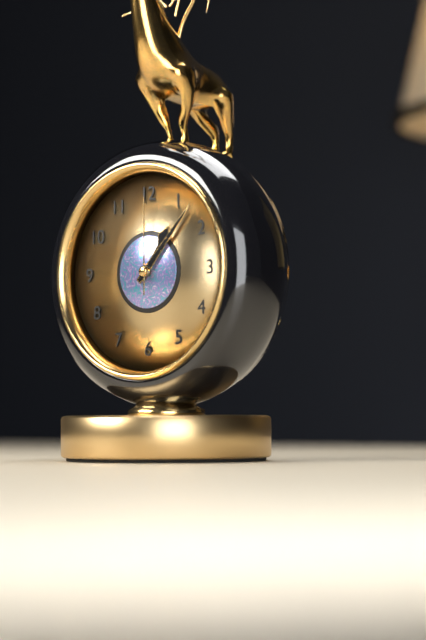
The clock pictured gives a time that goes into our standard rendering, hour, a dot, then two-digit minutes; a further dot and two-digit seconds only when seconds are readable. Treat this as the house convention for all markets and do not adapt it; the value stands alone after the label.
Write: 1.07.00
